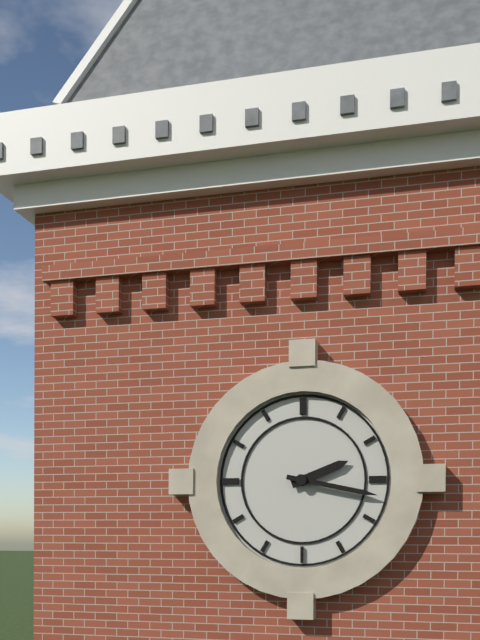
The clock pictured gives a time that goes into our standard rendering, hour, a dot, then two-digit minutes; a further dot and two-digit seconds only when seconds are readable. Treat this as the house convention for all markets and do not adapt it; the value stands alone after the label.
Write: 2.17
